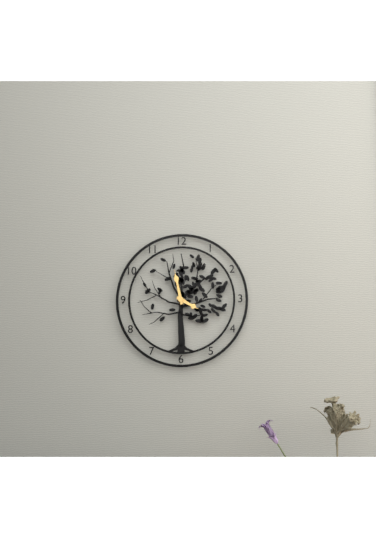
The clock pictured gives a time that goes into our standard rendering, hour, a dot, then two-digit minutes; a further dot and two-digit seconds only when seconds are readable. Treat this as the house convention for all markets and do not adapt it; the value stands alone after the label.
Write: 3.58
